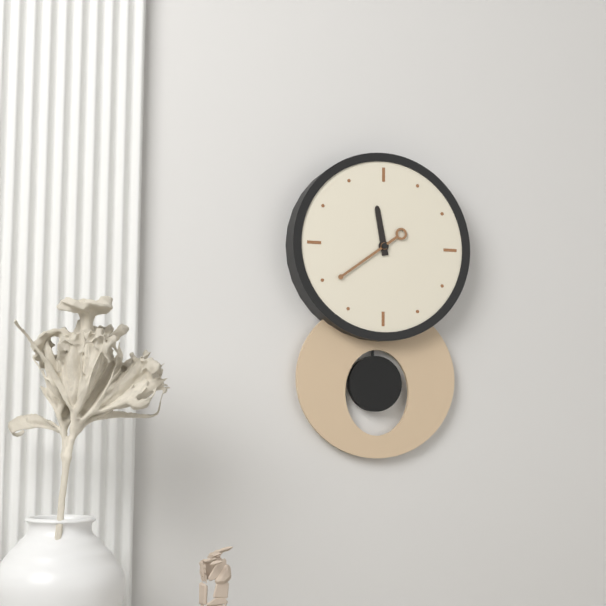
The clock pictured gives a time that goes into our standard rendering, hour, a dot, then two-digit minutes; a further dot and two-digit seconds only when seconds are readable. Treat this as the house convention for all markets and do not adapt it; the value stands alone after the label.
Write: 11.39
